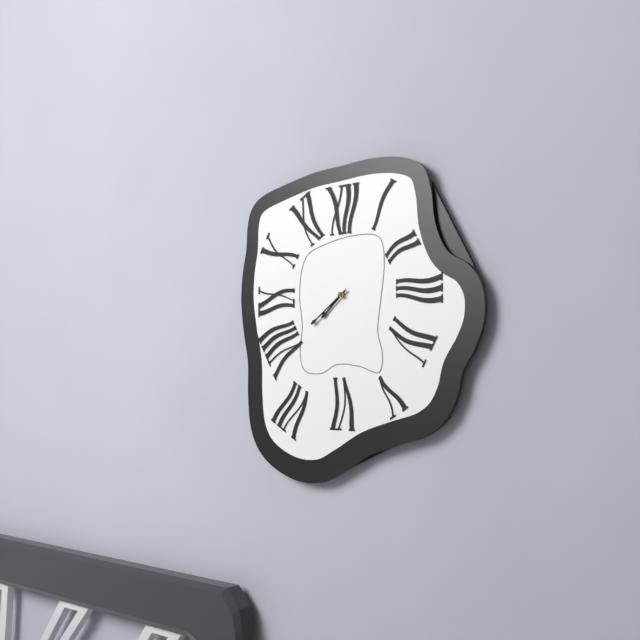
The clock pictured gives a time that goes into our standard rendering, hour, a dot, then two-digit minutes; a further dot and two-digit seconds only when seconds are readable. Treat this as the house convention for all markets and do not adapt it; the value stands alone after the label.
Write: 7.39
